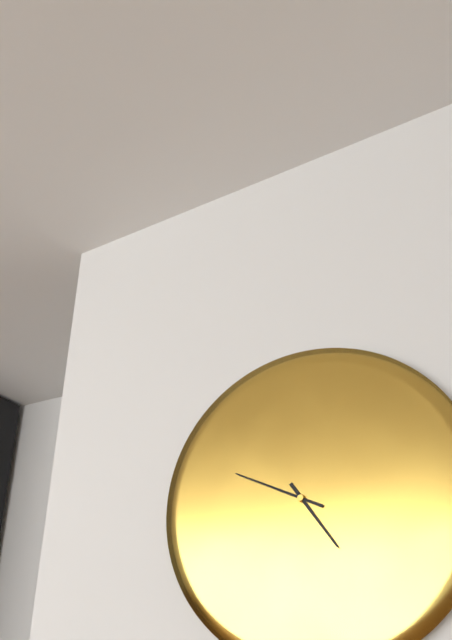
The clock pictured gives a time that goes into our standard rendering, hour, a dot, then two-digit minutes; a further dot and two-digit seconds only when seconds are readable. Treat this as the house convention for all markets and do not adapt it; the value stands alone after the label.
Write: 4.49
